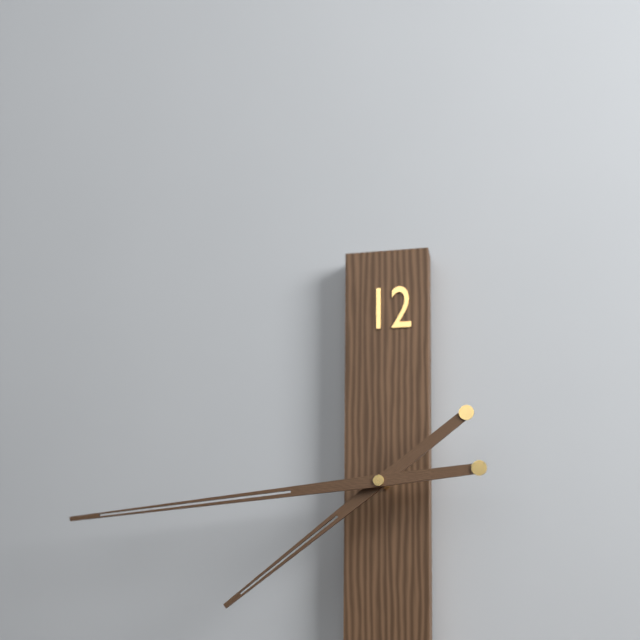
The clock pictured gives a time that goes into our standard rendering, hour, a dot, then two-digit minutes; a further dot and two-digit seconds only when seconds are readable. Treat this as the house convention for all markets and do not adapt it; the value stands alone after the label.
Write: 7.44
